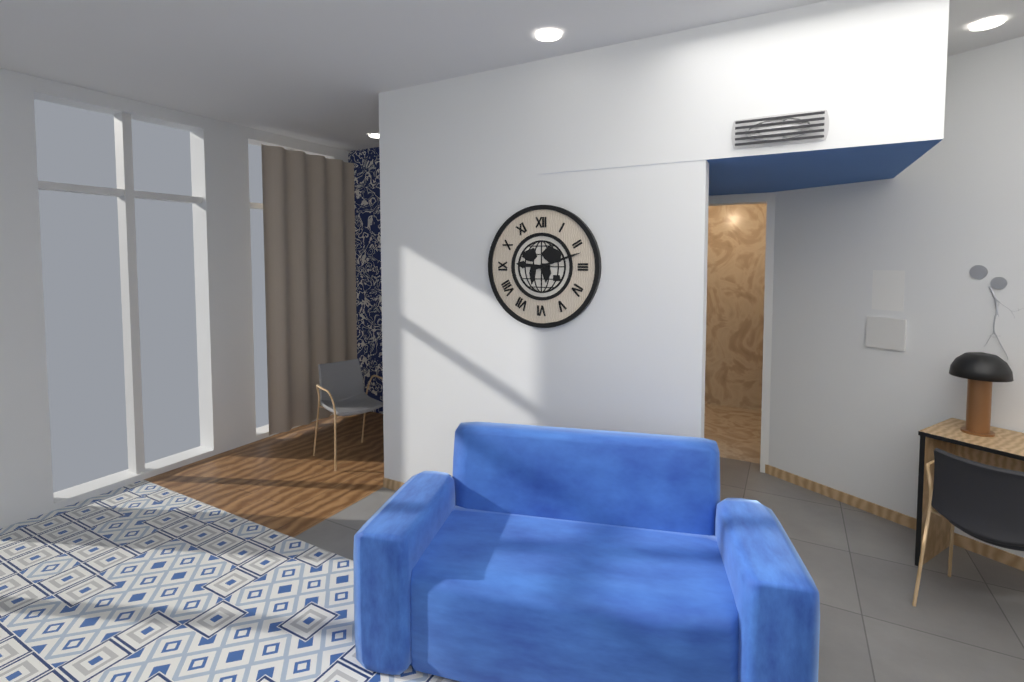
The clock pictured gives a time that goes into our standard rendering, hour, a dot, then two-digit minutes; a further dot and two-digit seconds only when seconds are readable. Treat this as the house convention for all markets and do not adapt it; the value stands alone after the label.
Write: 9.12
